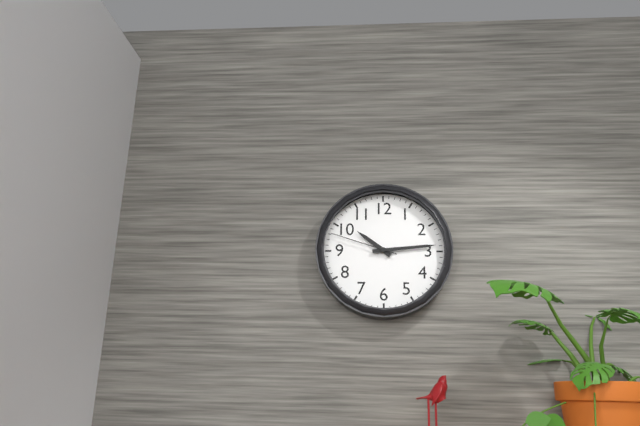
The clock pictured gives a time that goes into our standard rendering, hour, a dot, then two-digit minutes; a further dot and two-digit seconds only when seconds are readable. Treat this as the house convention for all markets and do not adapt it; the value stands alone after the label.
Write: 10.14.48
